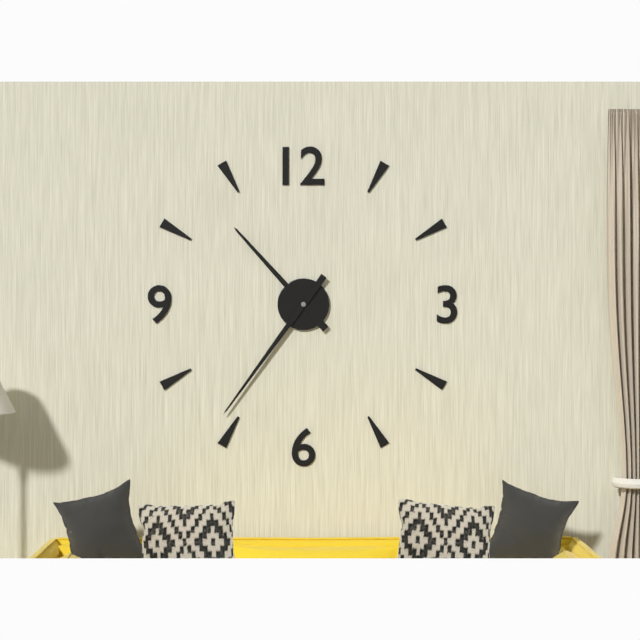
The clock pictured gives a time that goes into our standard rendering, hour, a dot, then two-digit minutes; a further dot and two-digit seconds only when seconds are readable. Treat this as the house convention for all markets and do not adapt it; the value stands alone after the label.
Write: 10.36
